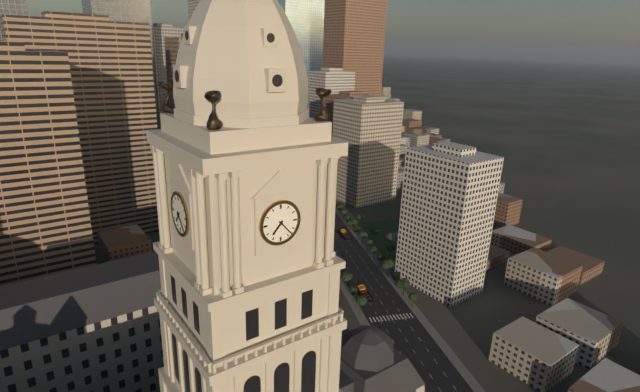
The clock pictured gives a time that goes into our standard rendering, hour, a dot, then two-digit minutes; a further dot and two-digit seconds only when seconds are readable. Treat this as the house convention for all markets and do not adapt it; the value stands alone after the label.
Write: 7.23
